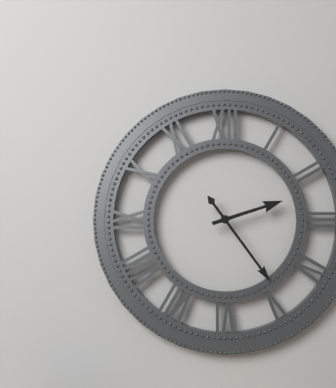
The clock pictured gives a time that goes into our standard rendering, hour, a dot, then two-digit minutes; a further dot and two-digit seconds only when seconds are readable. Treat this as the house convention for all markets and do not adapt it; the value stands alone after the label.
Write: 2.24
